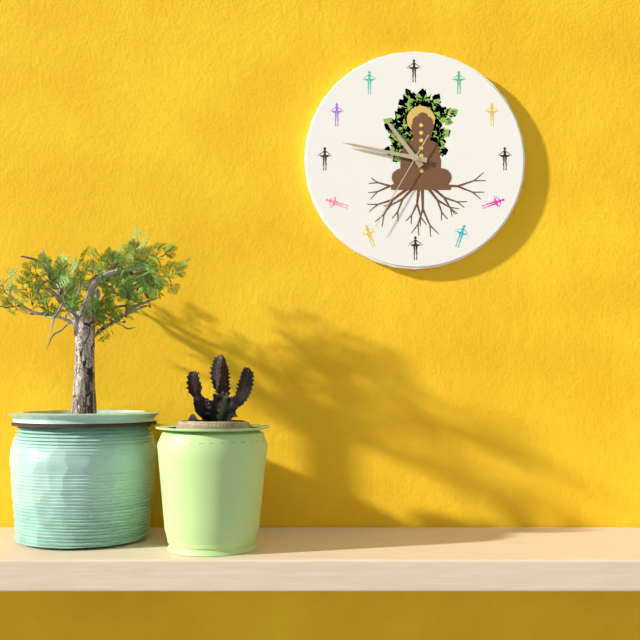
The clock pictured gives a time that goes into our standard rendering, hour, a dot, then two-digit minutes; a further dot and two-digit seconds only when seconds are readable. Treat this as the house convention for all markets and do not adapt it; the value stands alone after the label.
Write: 10.47.35
